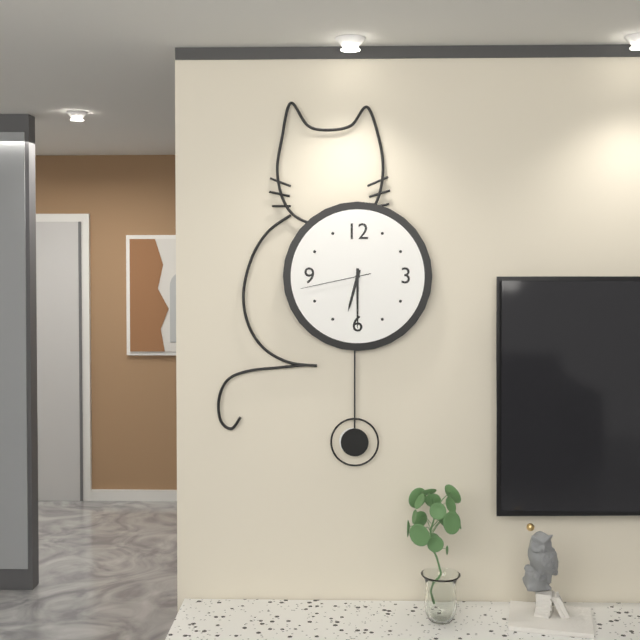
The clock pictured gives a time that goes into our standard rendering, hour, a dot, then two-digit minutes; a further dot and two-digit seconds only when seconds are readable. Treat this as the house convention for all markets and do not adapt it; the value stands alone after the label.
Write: 6.30.43
